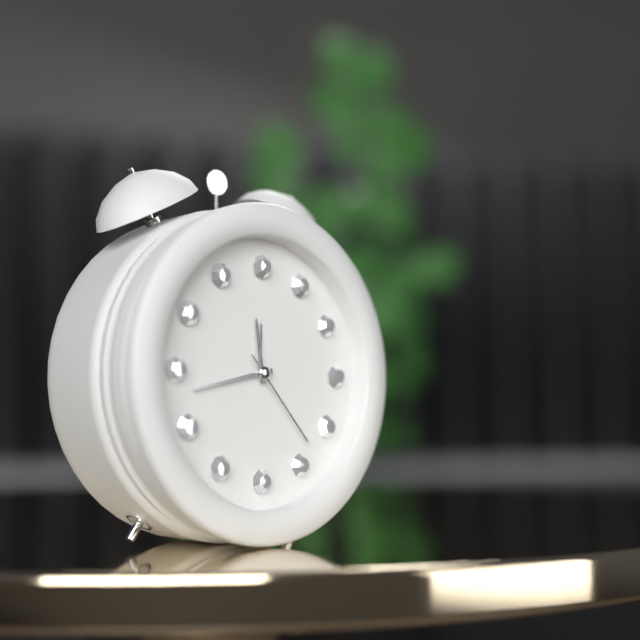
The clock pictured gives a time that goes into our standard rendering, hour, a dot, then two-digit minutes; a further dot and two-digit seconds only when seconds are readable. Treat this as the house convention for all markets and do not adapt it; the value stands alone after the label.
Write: 11.43.23
